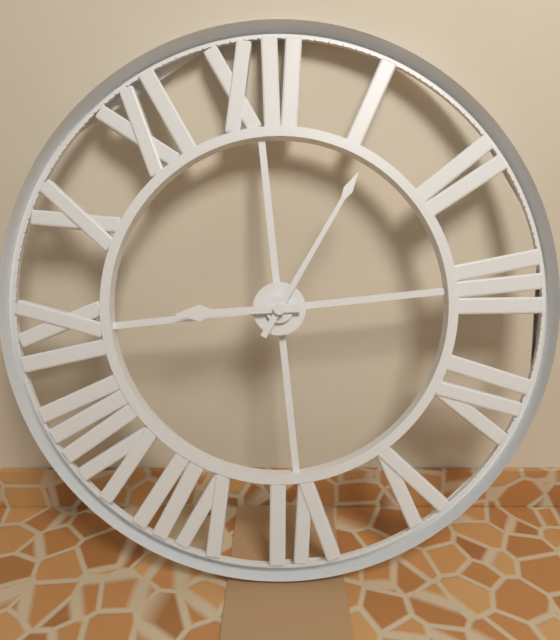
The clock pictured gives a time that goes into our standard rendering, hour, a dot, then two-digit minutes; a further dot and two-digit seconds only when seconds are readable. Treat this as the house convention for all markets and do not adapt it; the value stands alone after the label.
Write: 9.06
